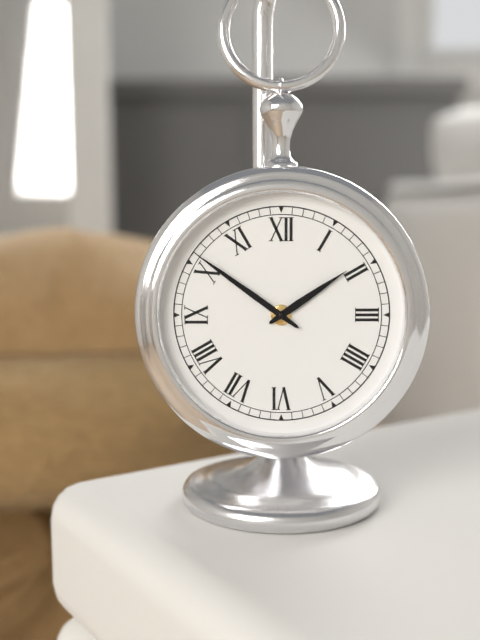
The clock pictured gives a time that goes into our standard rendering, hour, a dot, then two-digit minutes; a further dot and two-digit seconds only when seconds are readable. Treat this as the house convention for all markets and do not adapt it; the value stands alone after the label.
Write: 1.51
